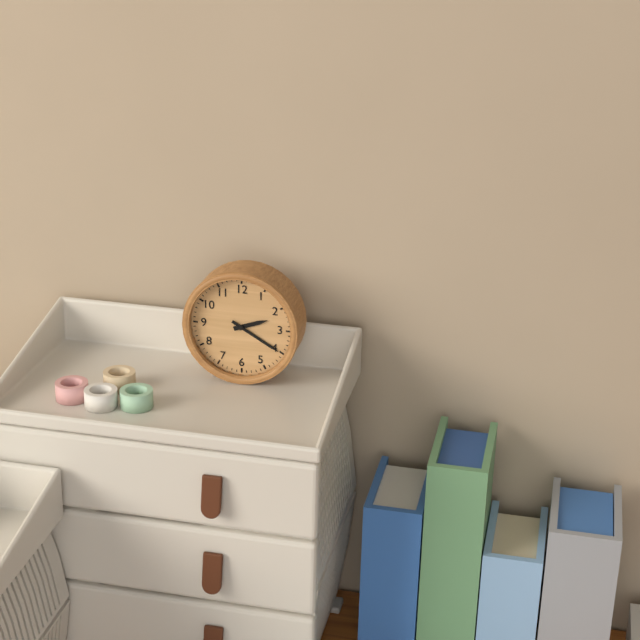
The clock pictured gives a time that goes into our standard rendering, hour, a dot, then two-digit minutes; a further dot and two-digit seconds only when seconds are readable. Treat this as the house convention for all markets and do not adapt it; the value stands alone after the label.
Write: 2.20
